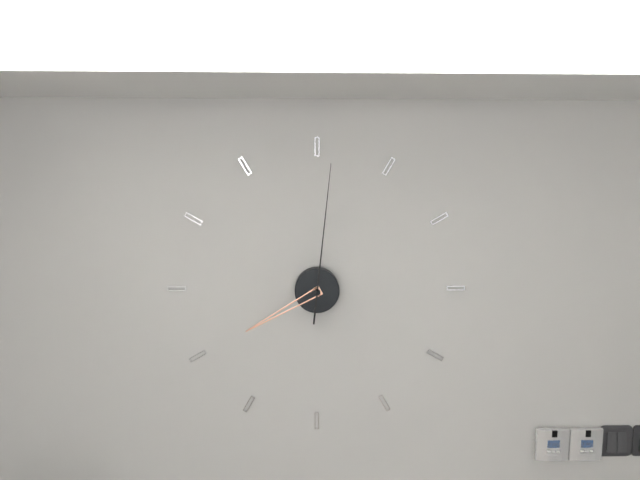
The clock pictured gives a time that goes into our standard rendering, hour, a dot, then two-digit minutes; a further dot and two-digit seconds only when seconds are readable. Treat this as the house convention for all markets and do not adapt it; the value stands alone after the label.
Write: 8.01
